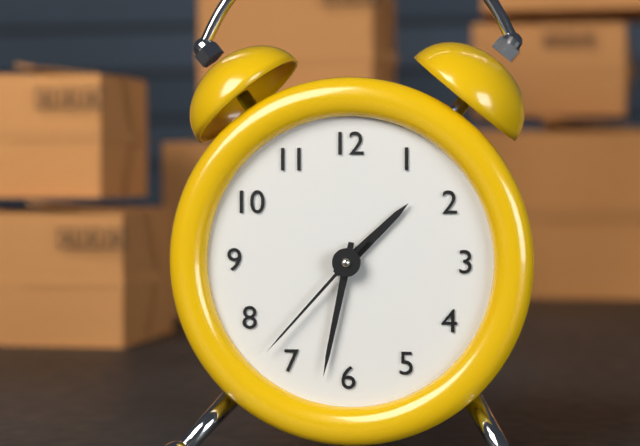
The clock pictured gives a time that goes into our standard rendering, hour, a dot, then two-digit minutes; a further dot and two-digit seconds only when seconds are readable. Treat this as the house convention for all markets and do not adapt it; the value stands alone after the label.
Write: 1.32.37
